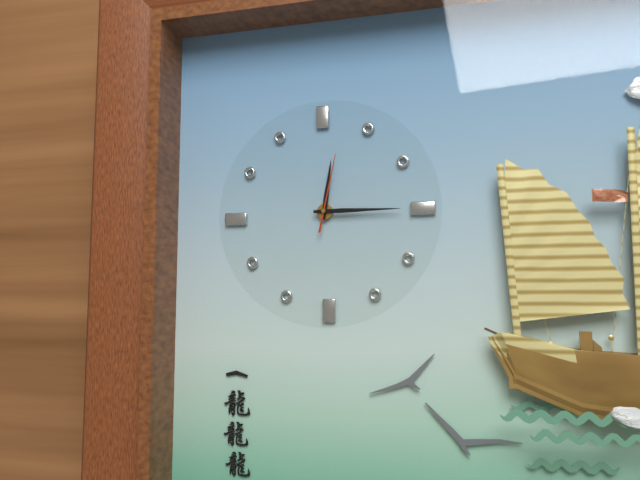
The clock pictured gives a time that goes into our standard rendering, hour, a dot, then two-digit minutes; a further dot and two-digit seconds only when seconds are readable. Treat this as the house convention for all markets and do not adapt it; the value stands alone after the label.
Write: 12.15.02
